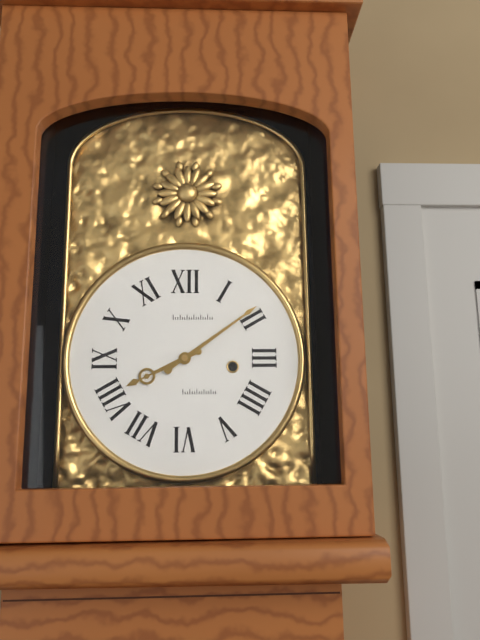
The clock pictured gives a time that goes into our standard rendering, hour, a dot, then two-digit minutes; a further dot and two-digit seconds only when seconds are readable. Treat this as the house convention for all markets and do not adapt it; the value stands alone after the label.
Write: 8.09
